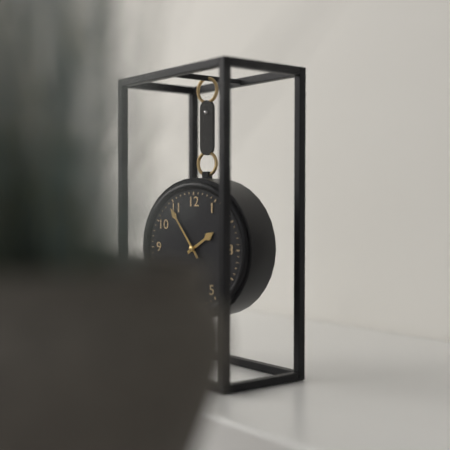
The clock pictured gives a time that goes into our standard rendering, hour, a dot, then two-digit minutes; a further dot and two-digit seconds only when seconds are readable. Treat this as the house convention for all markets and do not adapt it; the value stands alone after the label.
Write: 1.54
